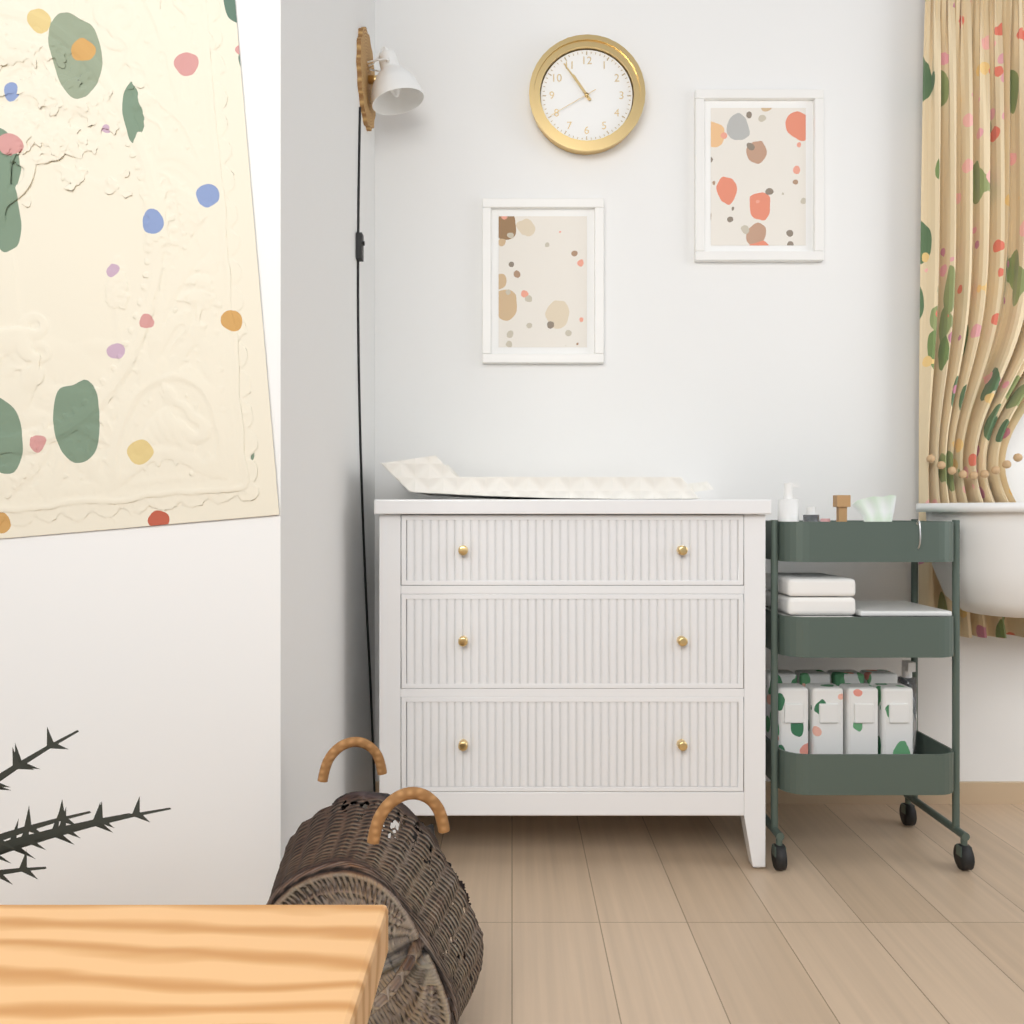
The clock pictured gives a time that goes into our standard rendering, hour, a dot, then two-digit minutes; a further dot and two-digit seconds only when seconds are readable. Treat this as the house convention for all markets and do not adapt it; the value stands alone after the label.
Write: 10.54.40
